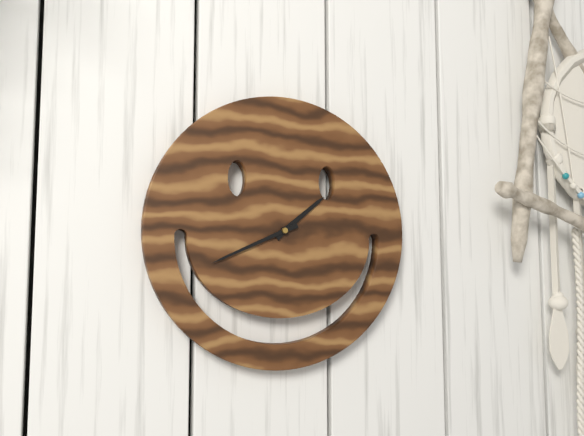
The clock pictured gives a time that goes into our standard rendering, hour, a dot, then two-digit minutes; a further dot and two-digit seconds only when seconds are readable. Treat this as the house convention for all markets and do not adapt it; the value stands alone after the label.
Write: 1.41
